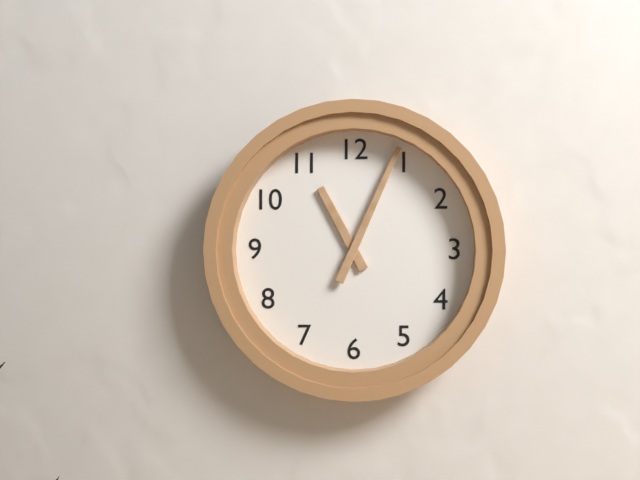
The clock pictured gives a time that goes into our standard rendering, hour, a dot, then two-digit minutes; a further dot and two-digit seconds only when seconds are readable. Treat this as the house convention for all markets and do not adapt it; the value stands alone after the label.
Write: 11.04
